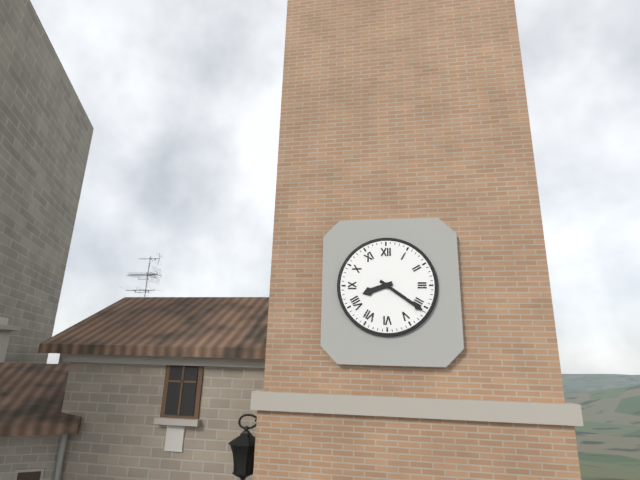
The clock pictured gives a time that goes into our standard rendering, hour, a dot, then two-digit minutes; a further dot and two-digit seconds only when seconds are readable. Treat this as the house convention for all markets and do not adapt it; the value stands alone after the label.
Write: 8.21
